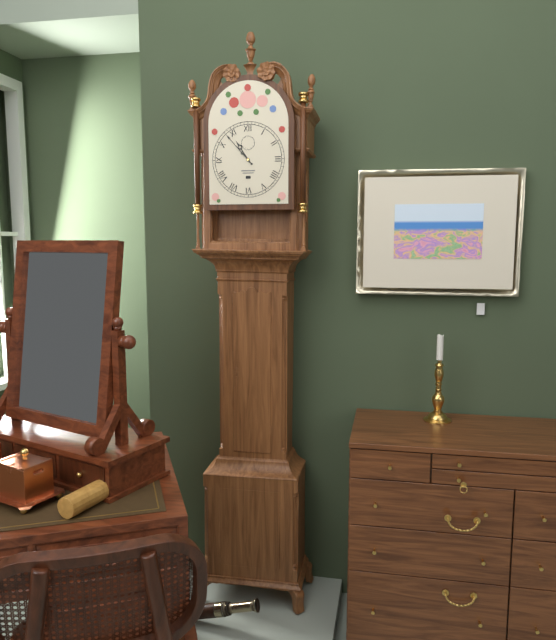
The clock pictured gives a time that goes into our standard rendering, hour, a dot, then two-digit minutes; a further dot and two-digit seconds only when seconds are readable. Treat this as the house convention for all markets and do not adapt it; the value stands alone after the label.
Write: 10.53
